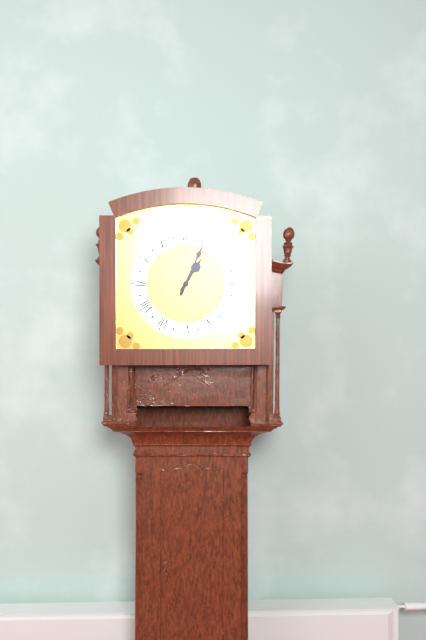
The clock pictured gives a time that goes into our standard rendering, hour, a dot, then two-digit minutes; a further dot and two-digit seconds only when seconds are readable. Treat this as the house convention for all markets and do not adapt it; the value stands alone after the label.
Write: 1.04
